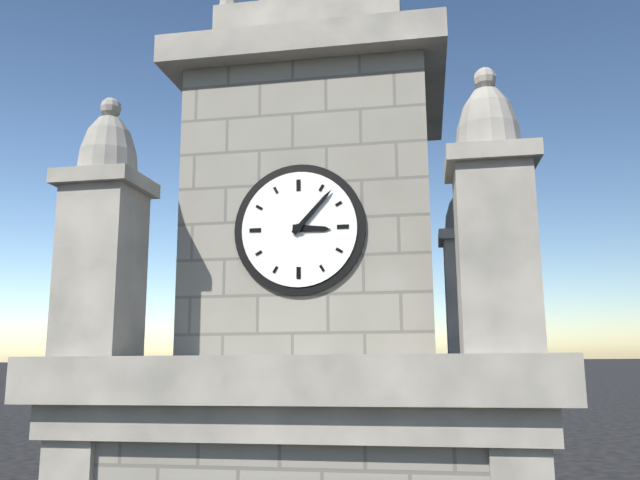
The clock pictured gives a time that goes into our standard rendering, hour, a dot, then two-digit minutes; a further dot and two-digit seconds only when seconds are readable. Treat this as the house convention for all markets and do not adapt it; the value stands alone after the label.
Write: 3.07
